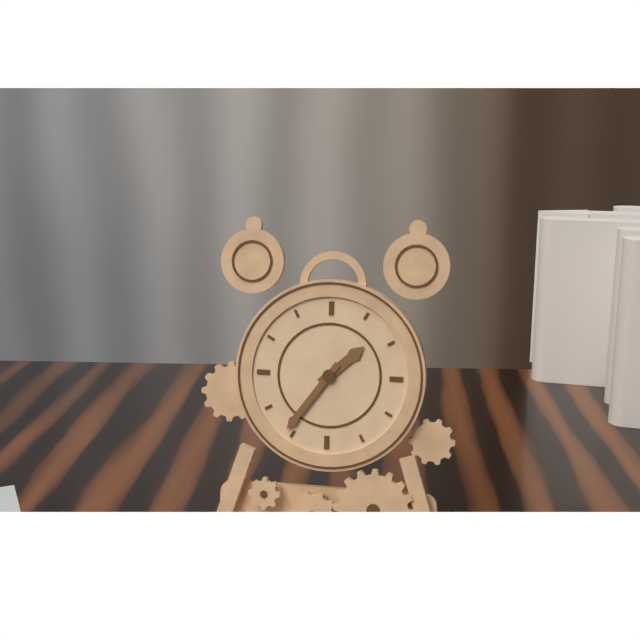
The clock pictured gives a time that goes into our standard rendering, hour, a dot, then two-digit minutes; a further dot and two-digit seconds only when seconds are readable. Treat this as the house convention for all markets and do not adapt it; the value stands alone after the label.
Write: 1.36
